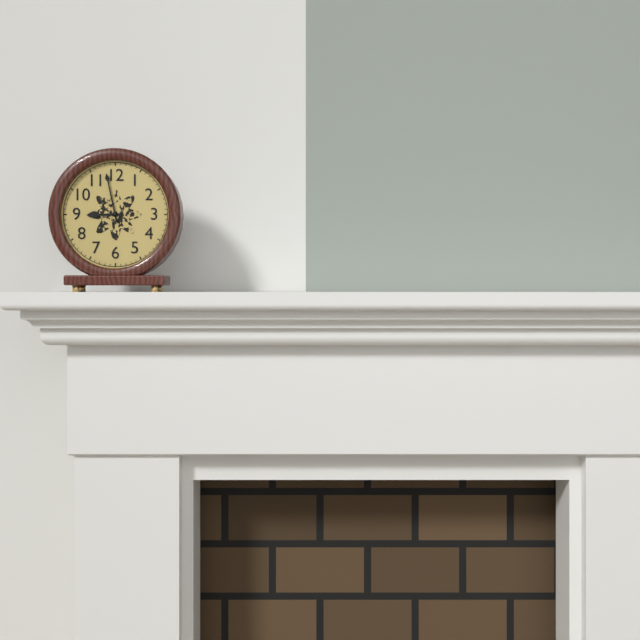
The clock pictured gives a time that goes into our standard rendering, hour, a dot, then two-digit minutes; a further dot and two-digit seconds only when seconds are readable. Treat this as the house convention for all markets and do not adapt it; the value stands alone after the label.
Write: 8.58
